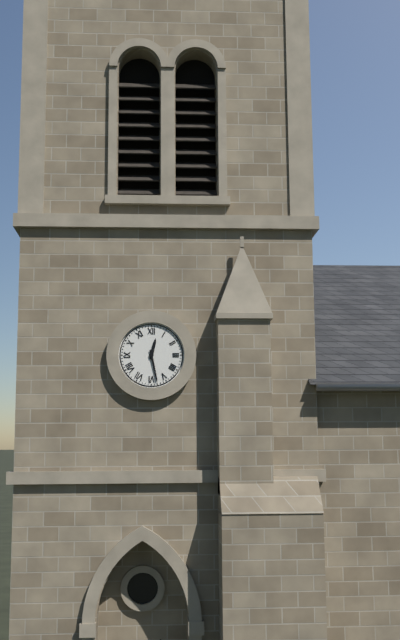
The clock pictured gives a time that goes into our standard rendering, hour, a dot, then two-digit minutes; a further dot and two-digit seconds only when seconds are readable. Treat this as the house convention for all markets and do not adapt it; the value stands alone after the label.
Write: 12.28
